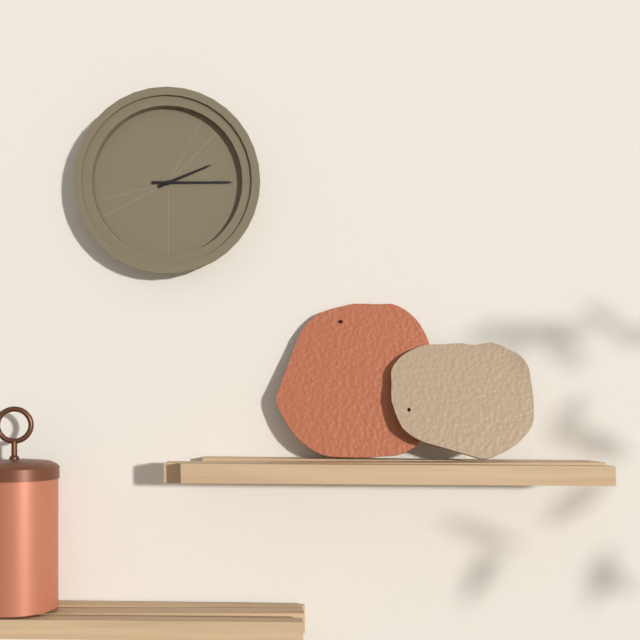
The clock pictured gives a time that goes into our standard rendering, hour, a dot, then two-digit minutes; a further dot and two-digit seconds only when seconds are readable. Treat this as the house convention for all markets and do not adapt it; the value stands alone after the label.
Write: 2.15
